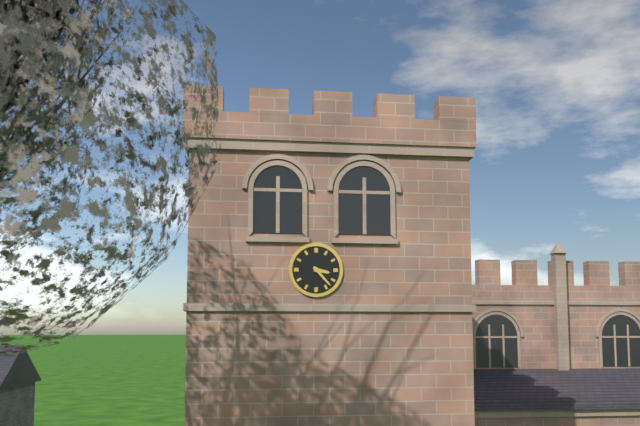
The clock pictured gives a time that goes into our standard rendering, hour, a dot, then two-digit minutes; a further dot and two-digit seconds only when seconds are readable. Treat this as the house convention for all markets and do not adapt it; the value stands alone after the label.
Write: 3.23
